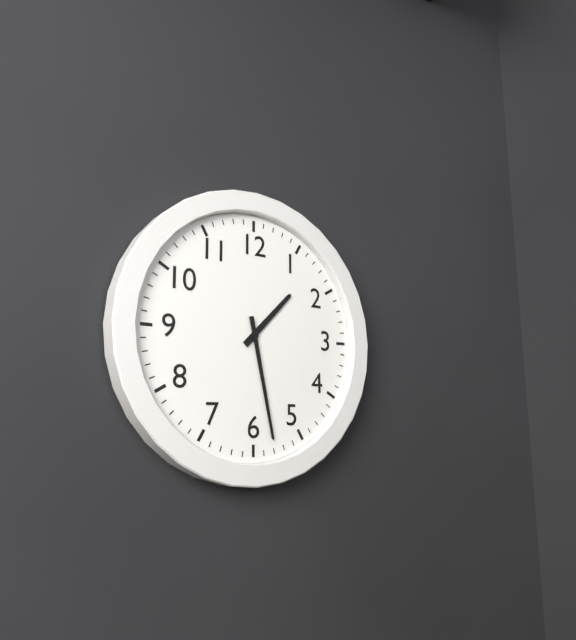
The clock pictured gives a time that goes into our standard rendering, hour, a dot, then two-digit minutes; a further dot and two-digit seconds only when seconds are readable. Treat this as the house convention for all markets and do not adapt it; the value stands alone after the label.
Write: 1.28
